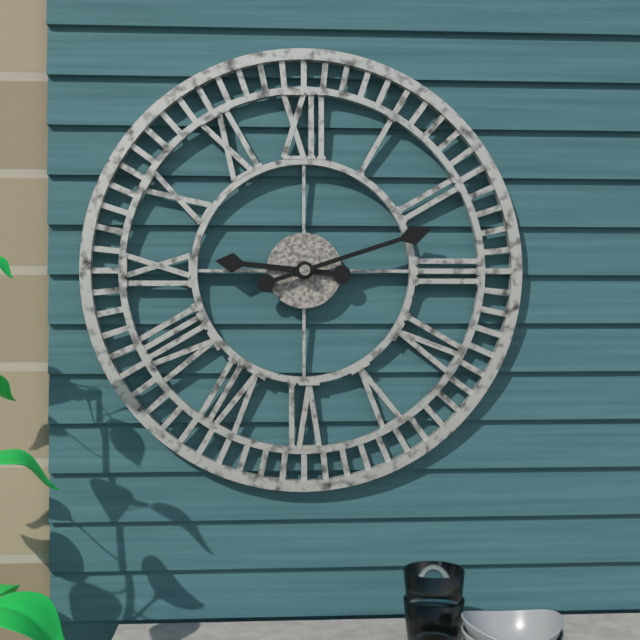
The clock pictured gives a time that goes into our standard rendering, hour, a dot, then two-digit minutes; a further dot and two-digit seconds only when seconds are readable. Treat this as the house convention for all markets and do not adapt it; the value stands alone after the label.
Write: 9.12
